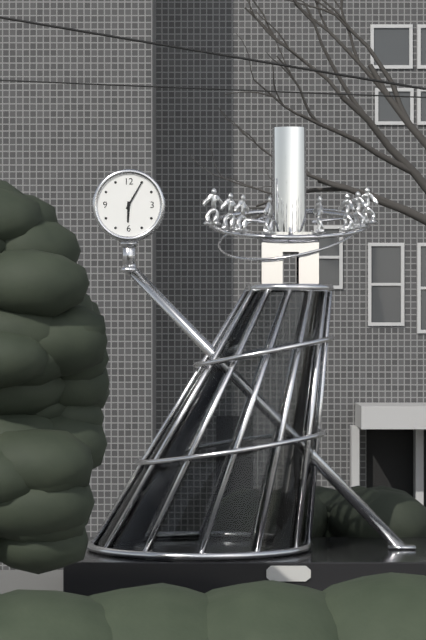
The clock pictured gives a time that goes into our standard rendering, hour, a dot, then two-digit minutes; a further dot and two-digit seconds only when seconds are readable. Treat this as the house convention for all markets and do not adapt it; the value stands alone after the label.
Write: 6.05
